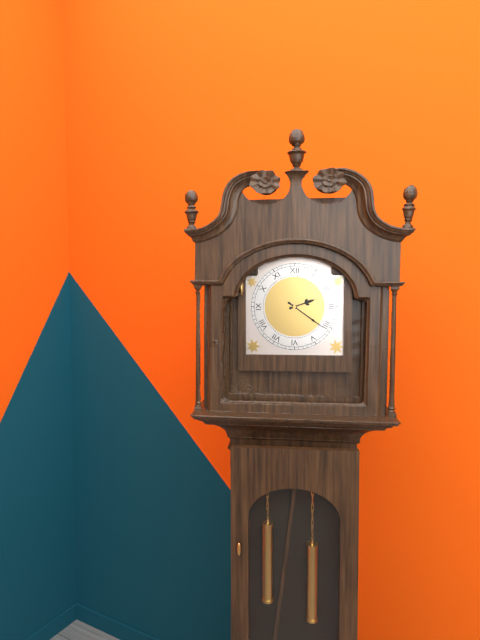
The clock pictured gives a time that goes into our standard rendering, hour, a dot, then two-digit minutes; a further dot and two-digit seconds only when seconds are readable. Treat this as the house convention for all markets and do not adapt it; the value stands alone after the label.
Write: 2.21
